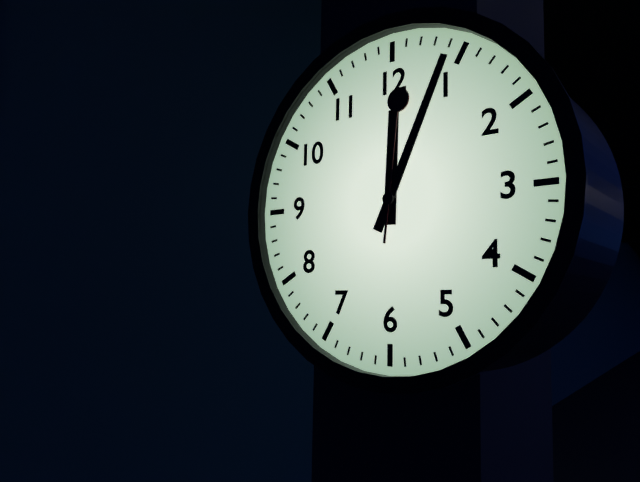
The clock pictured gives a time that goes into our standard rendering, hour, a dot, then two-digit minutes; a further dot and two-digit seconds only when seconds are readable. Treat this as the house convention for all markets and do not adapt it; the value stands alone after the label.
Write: 12.04.01
